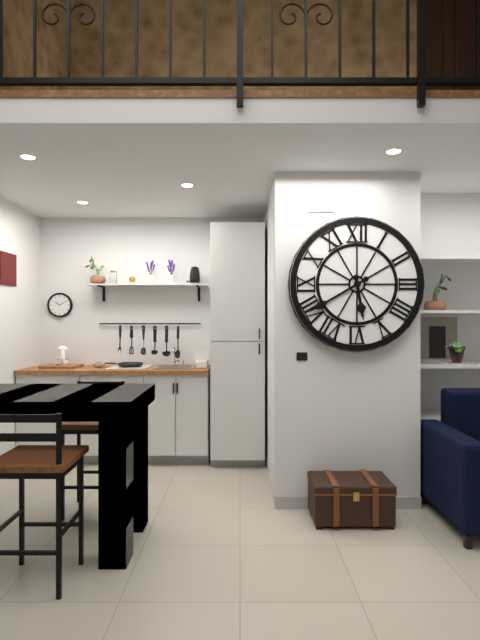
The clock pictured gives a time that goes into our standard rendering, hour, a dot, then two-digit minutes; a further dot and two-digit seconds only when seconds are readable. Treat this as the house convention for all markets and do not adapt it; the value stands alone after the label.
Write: 5.40
